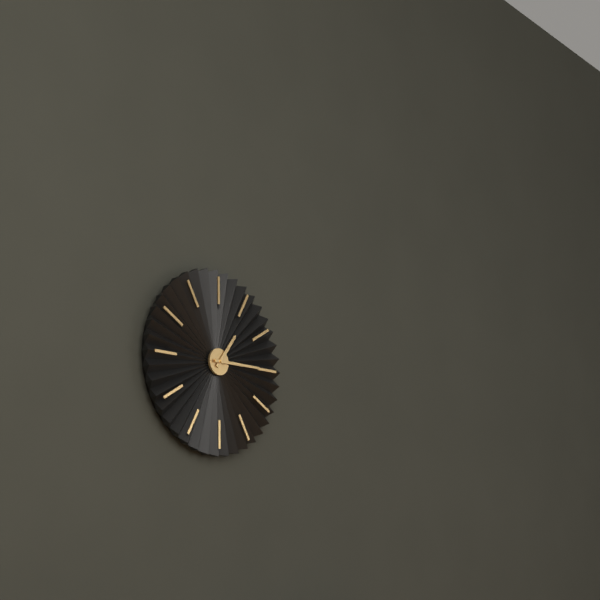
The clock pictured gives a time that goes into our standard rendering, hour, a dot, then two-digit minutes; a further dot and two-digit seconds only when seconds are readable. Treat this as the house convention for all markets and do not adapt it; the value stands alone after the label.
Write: 1.15
